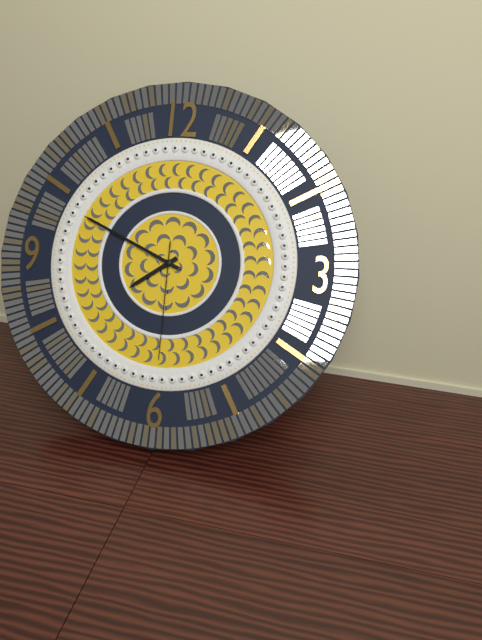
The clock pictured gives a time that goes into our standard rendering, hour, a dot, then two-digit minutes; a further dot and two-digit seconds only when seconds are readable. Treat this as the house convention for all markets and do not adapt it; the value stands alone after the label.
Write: 7.49.30
